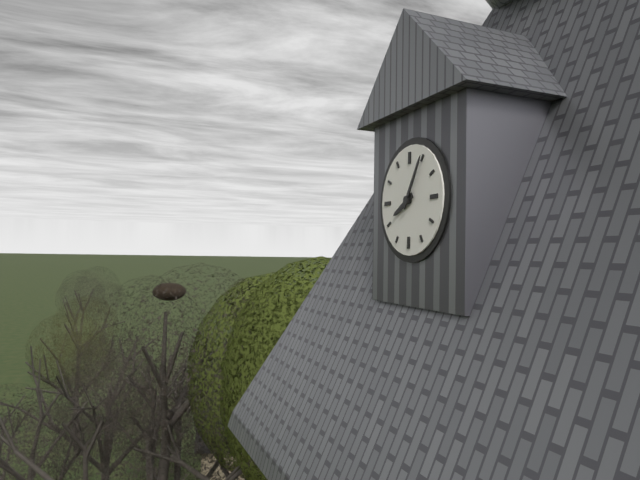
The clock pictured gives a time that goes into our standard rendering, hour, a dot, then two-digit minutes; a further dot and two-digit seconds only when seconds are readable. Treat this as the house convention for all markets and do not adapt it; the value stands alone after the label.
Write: 8.05
